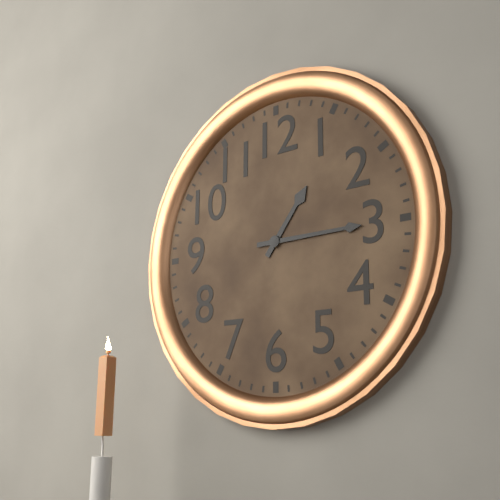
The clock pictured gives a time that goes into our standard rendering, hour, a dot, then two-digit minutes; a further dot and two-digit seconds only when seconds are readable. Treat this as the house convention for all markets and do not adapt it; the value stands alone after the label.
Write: 1.15
